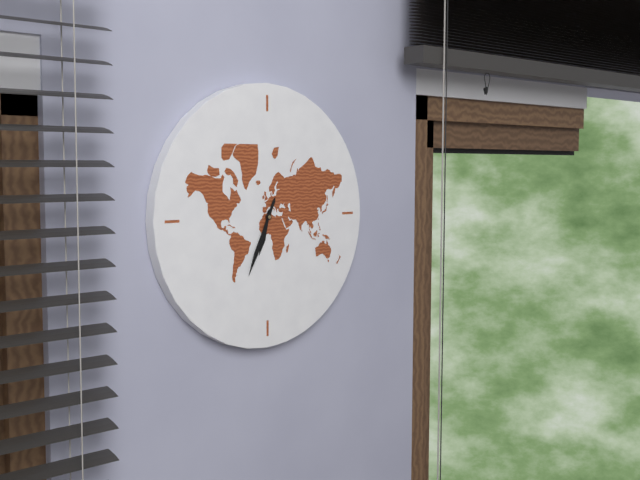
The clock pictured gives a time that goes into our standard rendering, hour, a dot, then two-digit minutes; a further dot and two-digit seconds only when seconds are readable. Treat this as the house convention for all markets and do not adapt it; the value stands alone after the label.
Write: 6.34
